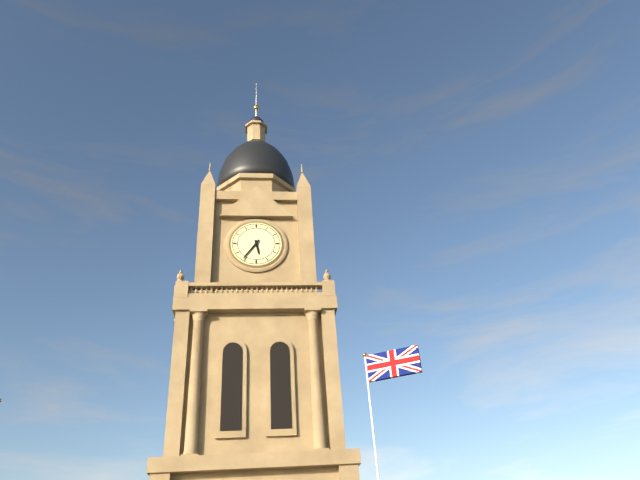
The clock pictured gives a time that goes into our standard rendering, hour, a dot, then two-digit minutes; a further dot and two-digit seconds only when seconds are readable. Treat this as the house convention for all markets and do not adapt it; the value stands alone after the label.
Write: 5.36
